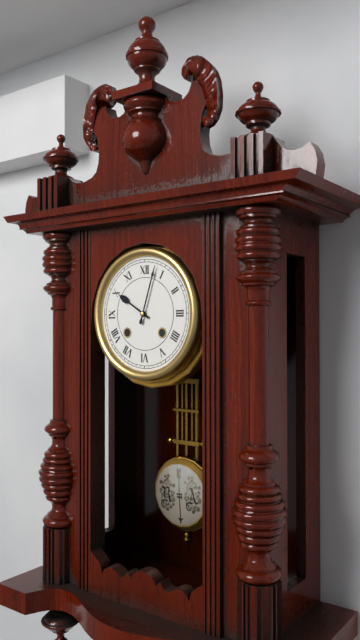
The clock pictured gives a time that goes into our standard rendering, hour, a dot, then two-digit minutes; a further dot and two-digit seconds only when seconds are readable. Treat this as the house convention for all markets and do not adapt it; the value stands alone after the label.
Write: 10.03
